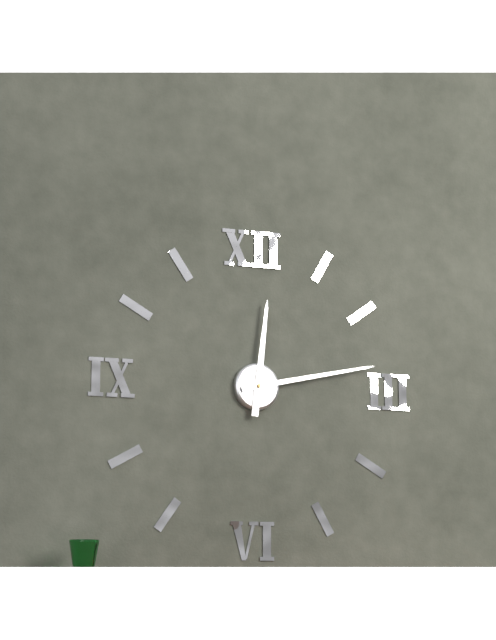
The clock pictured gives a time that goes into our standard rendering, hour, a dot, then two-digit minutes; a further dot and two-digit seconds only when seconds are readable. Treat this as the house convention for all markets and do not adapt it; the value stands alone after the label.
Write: 12.13
